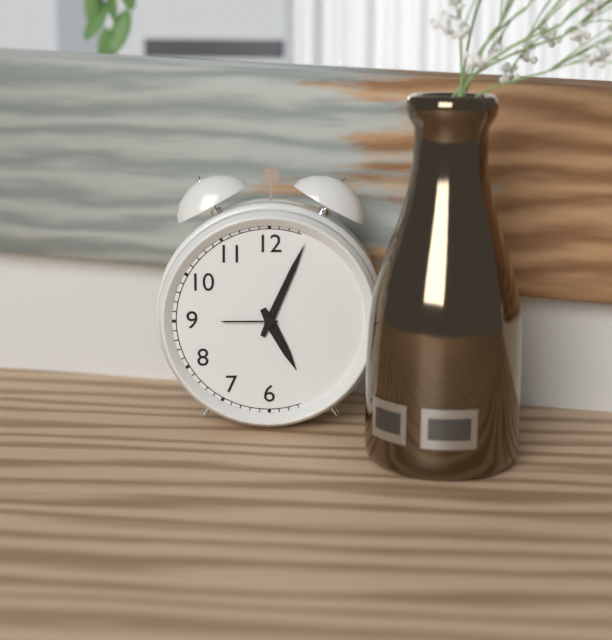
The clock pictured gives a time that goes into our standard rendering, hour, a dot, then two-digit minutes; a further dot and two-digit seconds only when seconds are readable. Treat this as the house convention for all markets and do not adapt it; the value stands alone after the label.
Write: 5.04
